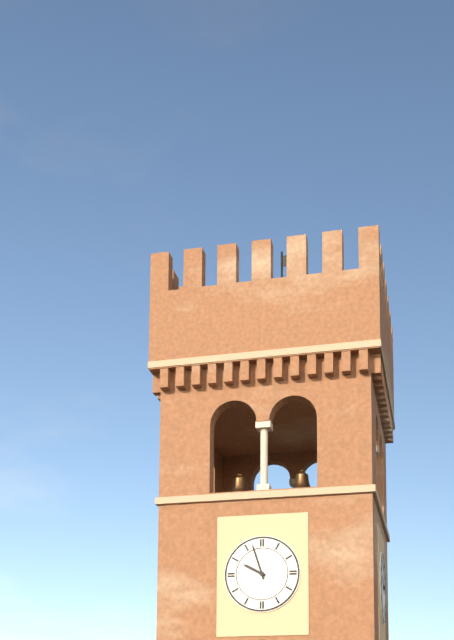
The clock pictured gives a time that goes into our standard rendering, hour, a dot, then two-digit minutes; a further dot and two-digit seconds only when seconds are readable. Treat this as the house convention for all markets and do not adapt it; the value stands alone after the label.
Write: 9.57
